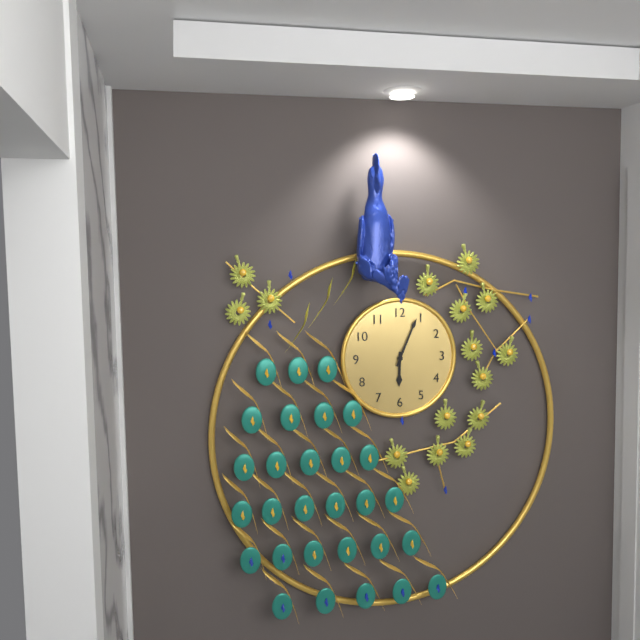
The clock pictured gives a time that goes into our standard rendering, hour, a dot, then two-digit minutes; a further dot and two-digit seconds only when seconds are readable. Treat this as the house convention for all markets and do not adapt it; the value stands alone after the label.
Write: 6.04
